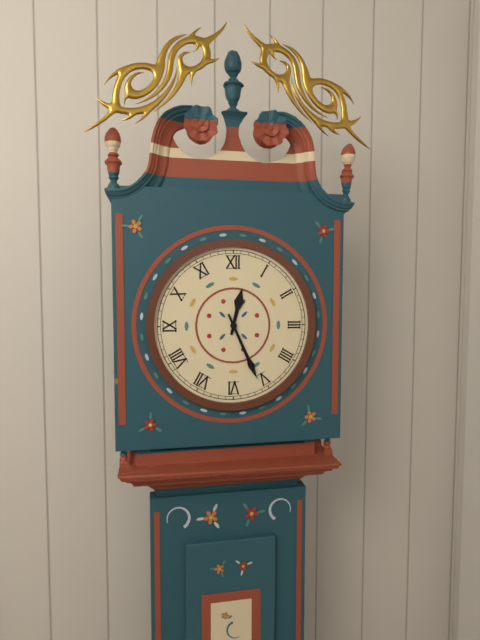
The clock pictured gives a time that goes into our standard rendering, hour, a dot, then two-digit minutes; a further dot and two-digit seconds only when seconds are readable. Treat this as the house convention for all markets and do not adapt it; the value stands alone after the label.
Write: 12.26
